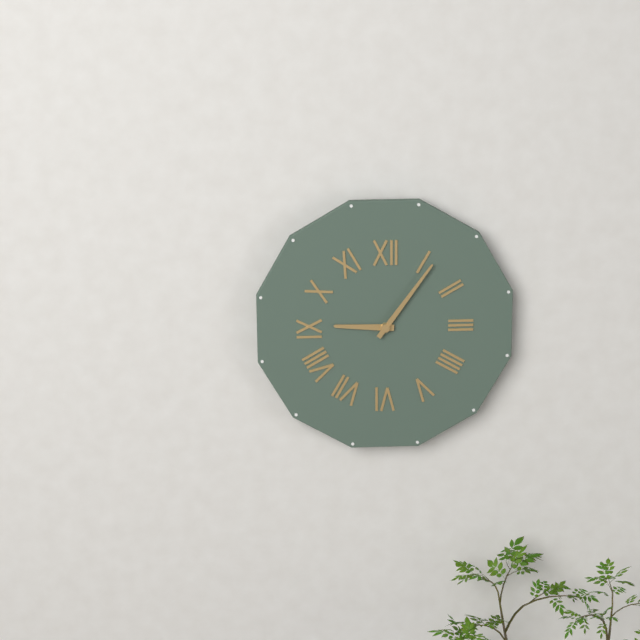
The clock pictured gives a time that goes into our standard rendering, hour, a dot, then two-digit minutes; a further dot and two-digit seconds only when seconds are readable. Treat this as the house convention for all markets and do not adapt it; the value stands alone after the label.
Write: 9.06
